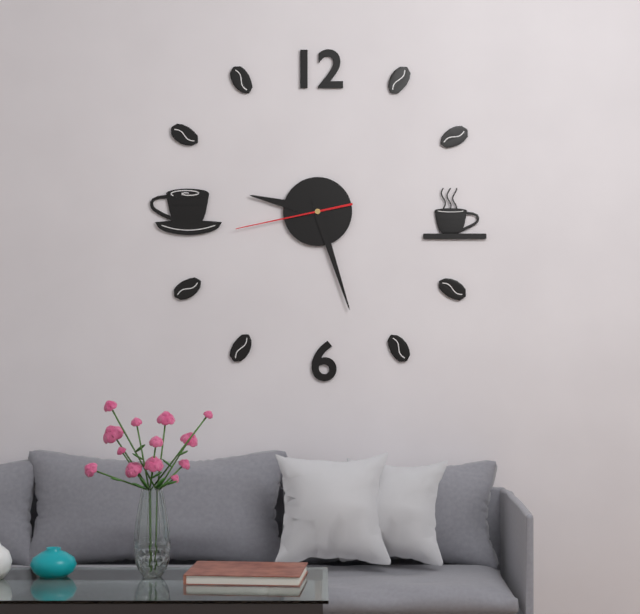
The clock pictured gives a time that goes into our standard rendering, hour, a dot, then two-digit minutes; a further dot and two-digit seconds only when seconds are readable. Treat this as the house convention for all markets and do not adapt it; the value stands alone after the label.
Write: 9.27.43
